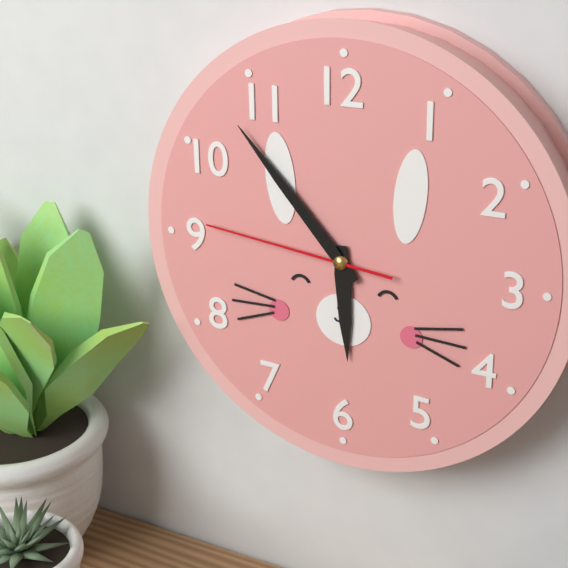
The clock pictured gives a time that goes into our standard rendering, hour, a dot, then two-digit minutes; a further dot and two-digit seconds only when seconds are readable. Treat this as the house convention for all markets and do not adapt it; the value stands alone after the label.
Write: 5.53.46
